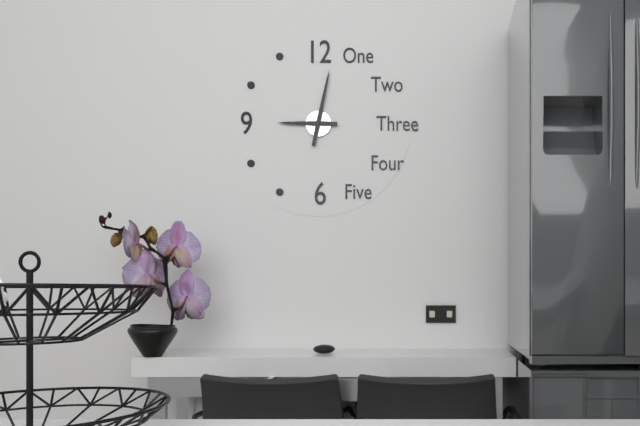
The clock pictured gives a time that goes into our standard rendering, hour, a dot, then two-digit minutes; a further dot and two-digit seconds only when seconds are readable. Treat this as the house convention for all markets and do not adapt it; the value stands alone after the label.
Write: 9.02
